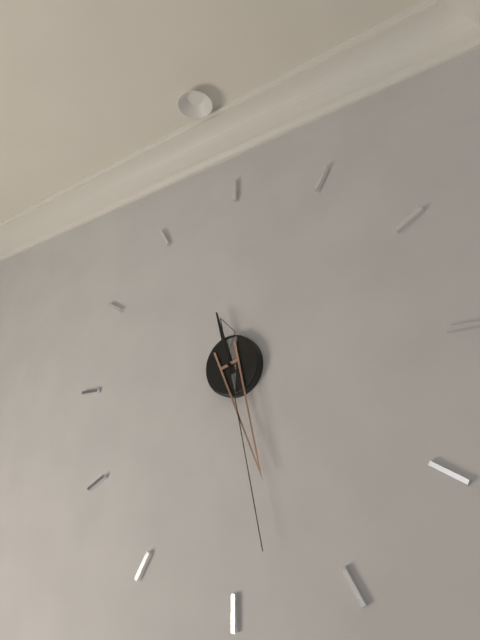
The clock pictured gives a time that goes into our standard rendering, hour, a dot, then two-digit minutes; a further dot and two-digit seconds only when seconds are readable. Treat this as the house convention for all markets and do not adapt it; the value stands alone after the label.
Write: 11.27.28
